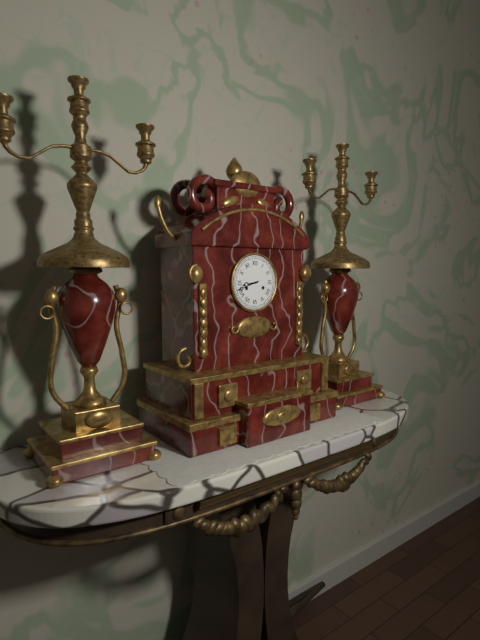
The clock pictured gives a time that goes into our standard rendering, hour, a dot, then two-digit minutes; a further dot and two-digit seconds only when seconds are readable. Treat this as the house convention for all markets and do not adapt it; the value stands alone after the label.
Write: 8.42
